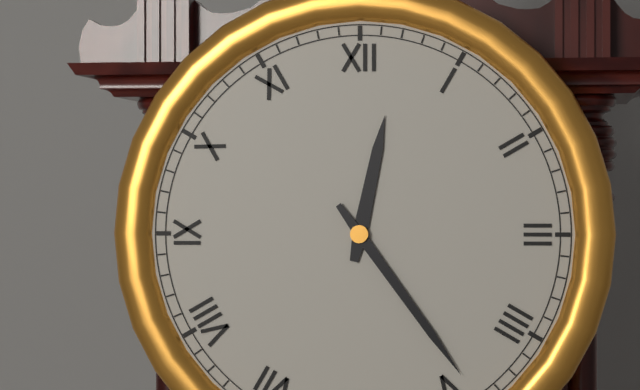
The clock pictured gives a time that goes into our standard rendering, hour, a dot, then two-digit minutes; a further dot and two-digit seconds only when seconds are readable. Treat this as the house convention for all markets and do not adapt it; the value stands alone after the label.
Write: 12.24
